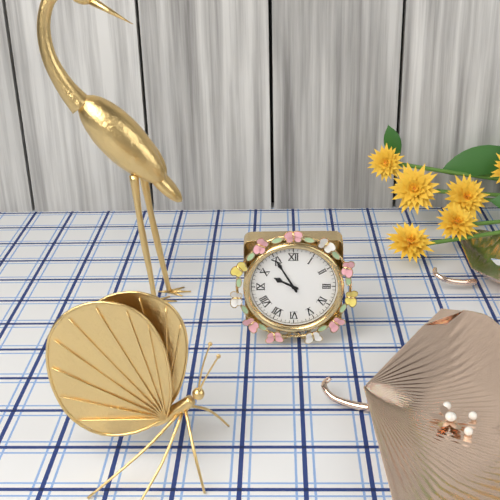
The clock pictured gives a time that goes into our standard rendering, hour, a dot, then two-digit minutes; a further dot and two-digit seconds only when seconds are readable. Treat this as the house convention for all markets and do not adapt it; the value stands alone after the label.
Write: 9.55
